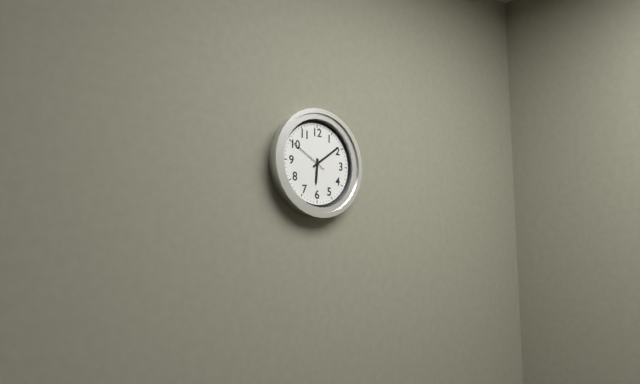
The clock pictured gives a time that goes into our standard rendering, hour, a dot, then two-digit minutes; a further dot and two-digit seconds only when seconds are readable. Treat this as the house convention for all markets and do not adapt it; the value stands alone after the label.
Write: 6.09
